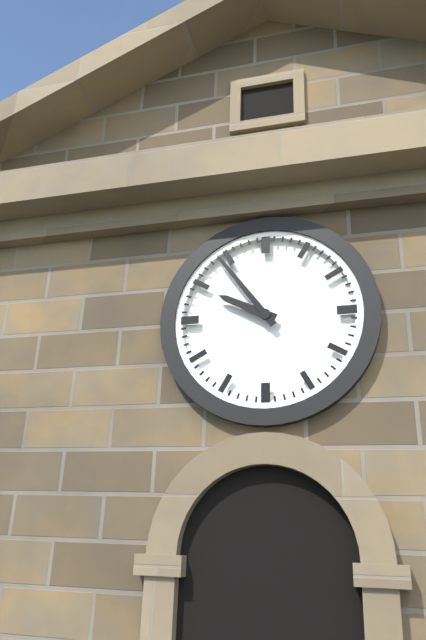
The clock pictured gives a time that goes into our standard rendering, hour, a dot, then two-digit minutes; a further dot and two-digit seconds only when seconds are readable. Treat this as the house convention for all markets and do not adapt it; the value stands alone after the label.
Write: 9.54
